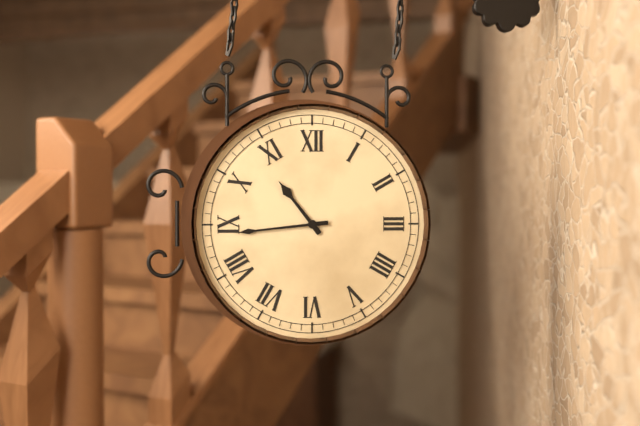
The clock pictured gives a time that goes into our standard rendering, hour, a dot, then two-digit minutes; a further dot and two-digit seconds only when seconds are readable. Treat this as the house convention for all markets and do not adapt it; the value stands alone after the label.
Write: 10.44
